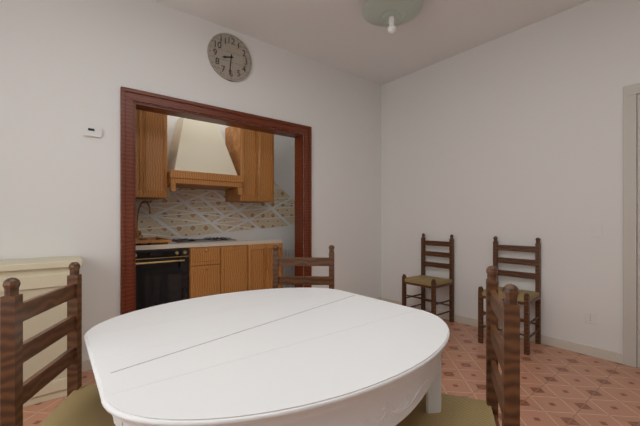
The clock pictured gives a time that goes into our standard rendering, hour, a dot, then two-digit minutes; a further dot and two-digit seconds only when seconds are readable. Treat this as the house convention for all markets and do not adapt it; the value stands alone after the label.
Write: 8.31
